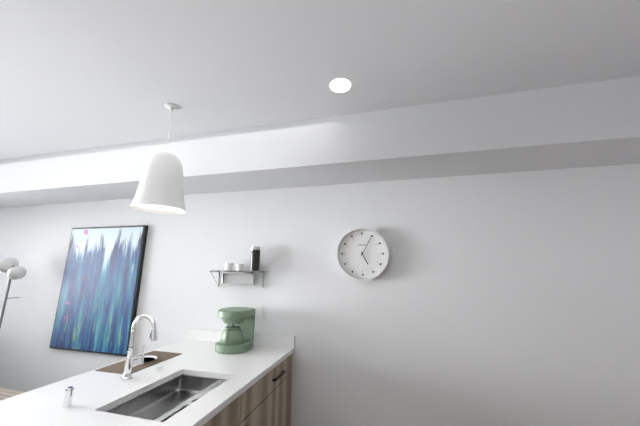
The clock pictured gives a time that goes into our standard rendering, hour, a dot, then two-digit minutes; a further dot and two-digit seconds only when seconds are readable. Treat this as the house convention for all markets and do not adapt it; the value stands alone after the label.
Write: 5.05
